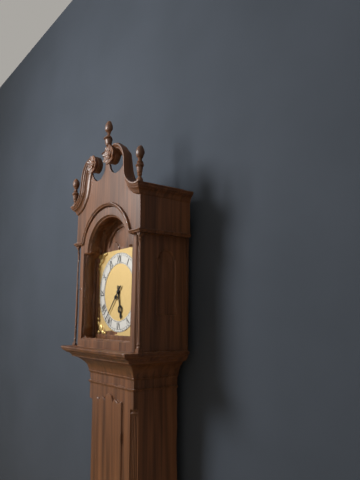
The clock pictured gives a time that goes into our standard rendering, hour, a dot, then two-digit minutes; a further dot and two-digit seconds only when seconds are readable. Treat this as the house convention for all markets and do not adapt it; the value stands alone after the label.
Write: 5.37
